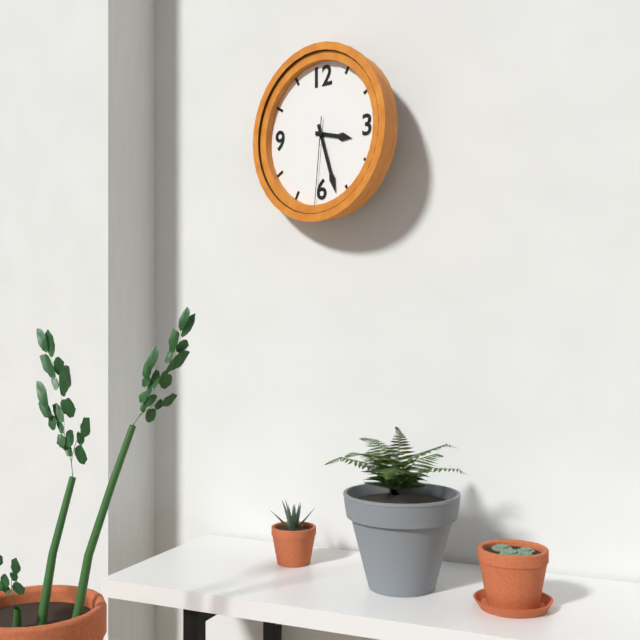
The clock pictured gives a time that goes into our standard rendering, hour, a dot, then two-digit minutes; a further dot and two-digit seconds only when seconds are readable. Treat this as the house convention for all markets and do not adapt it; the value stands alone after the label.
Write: 3.27.31
